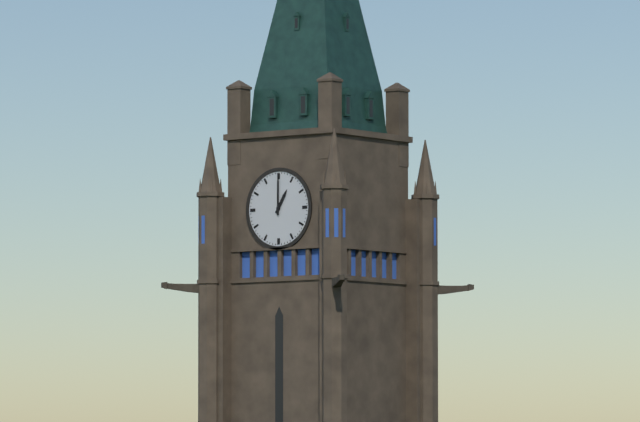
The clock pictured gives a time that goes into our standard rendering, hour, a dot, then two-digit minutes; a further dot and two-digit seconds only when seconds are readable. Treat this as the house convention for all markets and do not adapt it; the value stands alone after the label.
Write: 1.00
